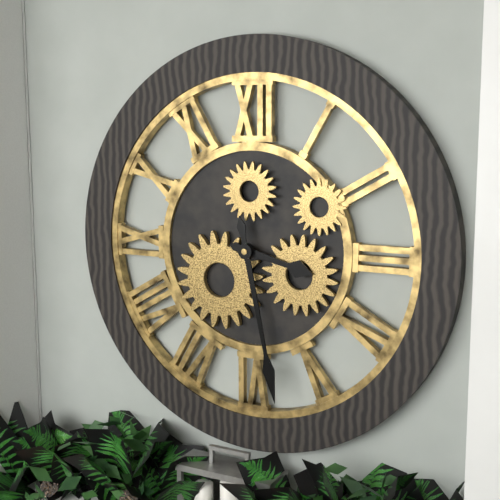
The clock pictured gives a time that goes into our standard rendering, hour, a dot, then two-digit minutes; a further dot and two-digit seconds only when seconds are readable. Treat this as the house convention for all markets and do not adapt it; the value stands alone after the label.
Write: 3.28
